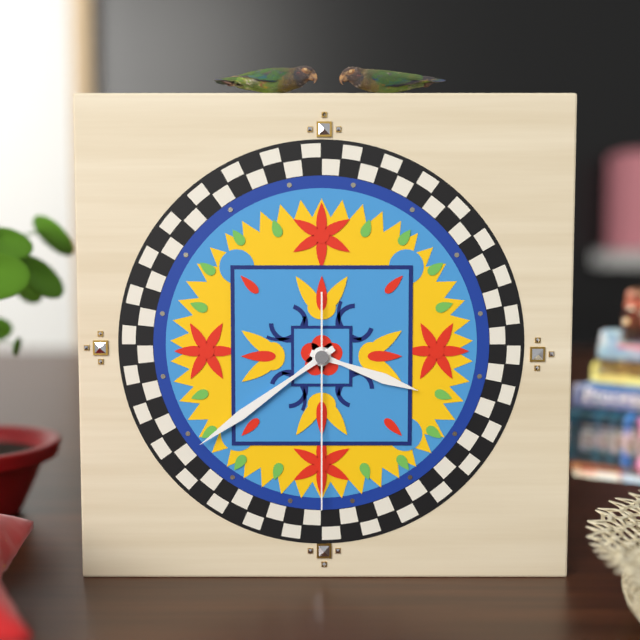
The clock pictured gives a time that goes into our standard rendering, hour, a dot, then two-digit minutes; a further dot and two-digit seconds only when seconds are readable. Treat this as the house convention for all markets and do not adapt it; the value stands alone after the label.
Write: 3.39.30
